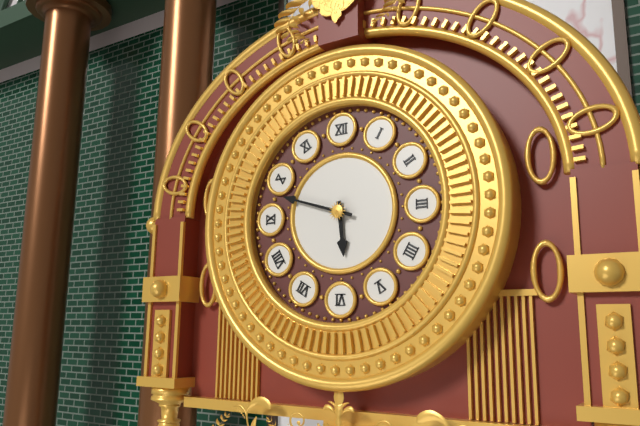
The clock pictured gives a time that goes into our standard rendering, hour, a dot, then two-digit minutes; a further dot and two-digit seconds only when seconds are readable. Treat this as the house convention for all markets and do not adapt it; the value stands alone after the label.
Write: 5.48
